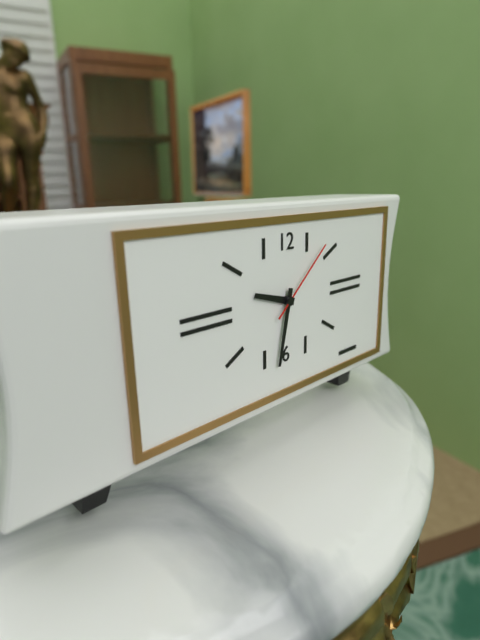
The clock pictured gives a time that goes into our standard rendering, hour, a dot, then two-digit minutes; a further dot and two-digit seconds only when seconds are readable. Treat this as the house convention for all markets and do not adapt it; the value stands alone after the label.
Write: 9.32.08
